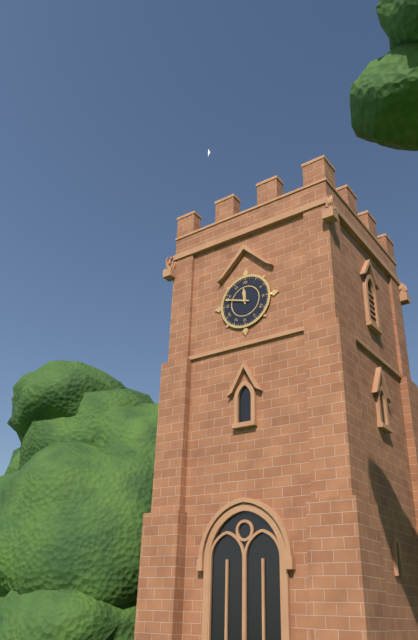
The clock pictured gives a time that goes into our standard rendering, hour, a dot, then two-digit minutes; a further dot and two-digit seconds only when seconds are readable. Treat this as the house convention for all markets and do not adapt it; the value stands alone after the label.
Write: 11.48
